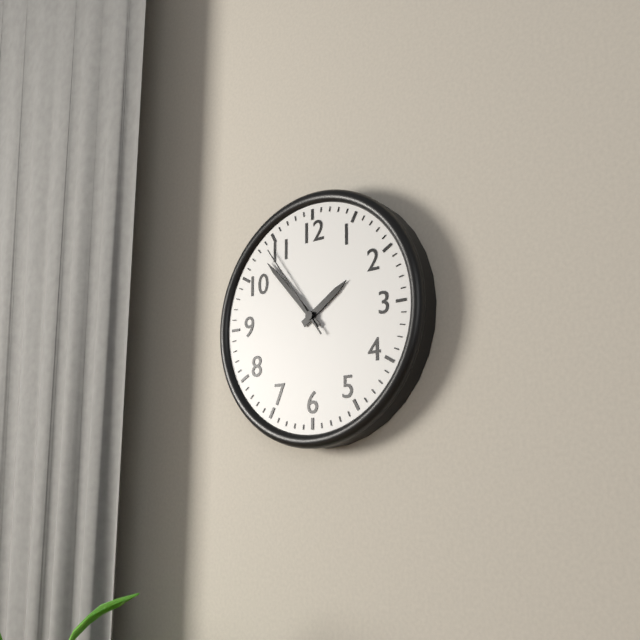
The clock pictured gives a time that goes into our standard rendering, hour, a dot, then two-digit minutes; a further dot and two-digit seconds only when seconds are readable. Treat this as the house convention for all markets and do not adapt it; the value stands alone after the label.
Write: 1.53.54
